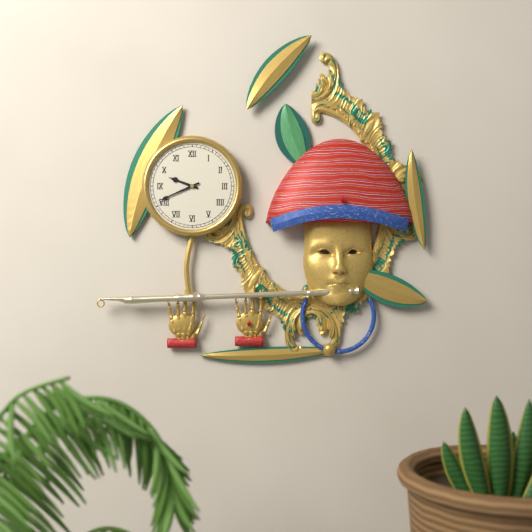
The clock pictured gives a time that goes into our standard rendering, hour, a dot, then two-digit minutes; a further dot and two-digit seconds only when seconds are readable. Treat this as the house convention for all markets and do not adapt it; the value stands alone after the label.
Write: 9.41
